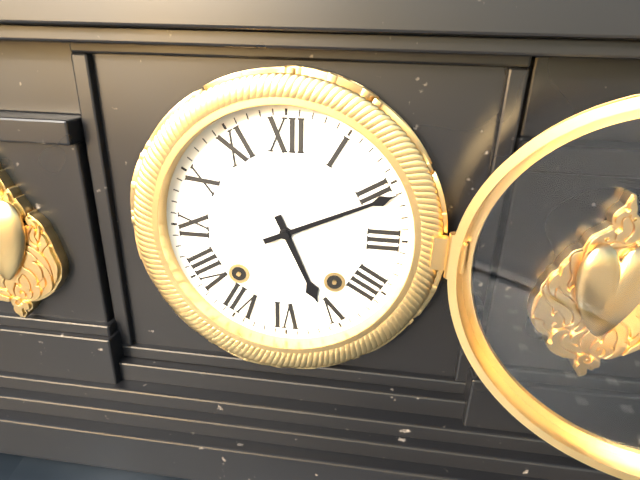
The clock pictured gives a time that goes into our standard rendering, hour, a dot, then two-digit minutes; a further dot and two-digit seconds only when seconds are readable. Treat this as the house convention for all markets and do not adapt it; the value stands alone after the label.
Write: 5.11
